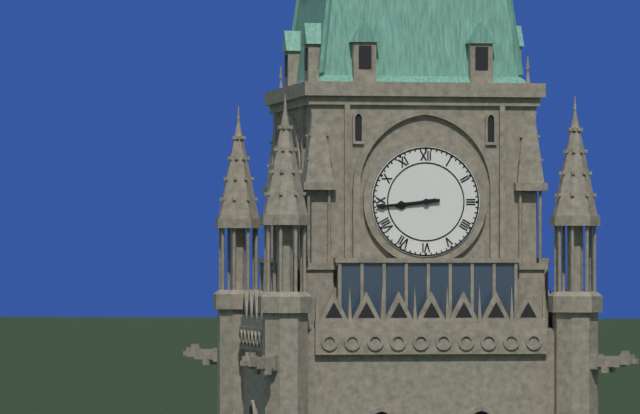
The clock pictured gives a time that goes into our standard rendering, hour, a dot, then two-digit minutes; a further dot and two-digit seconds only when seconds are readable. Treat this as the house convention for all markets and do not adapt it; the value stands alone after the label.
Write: 8.44
